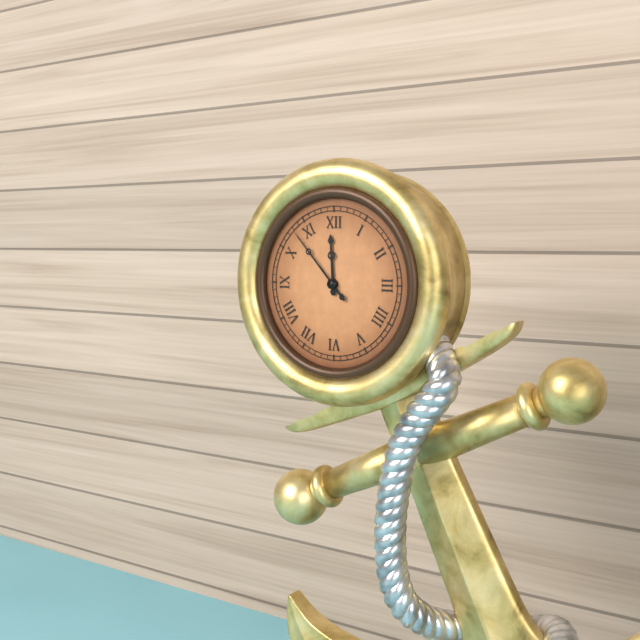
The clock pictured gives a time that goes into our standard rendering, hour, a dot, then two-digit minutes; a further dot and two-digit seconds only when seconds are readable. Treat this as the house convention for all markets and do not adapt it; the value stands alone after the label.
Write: 11.53
